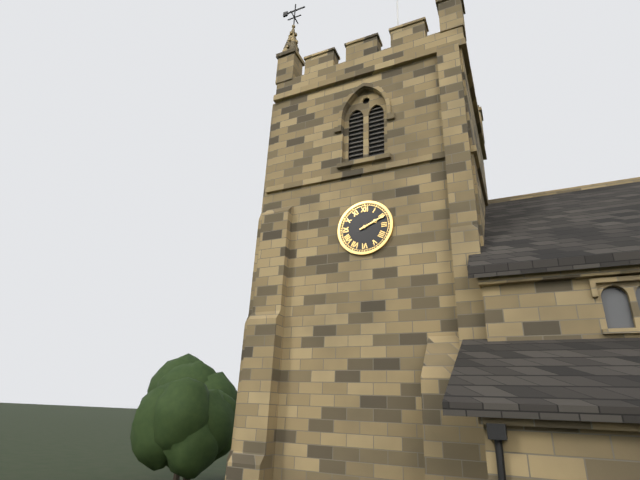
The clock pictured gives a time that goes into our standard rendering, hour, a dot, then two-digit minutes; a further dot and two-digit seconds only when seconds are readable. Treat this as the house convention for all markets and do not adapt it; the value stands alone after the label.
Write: 2.11
